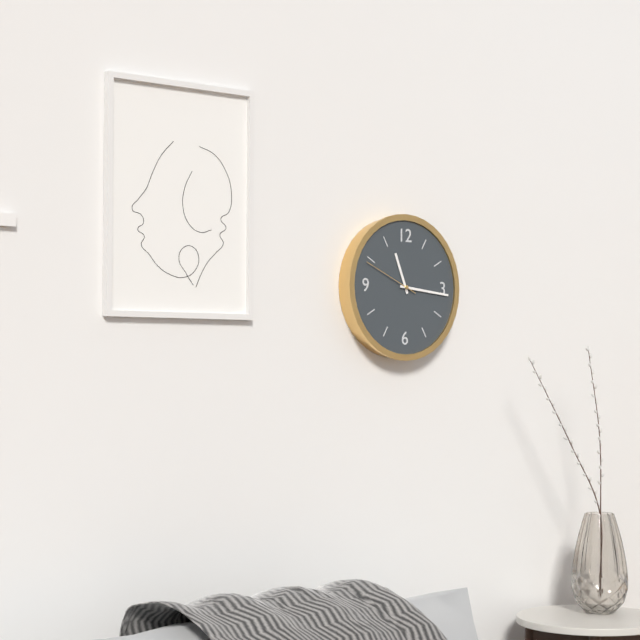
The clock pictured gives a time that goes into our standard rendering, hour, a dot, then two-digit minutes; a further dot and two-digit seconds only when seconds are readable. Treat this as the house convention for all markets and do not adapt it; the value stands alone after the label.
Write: 11.16.49
